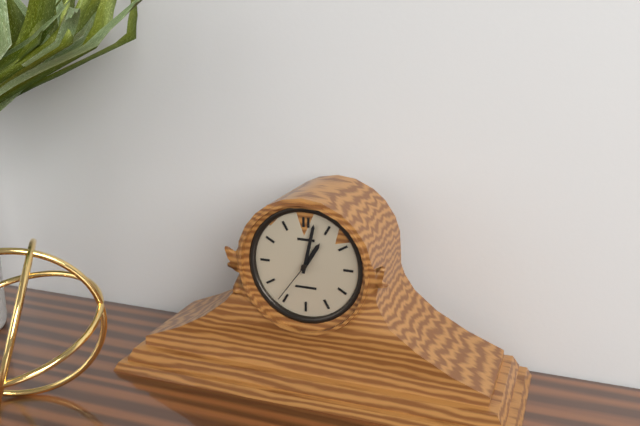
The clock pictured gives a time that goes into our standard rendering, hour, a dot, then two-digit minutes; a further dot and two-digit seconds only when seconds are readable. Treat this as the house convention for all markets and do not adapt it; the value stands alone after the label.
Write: 1.02.36
